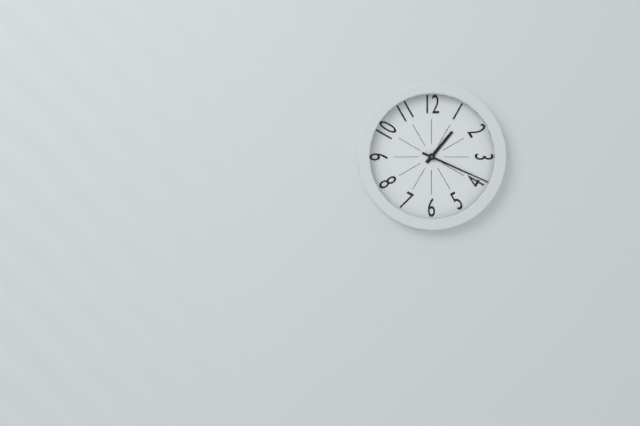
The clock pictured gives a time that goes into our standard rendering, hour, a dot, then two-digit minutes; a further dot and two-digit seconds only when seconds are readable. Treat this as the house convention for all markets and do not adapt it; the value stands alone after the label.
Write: 1.19
